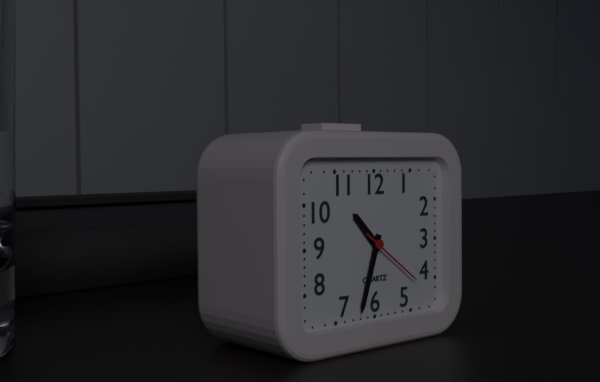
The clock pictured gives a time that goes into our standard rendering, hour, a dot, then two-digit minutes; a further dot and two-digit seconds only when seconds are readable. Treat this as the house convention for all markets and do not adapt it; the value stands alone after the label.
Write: 10.33.21
